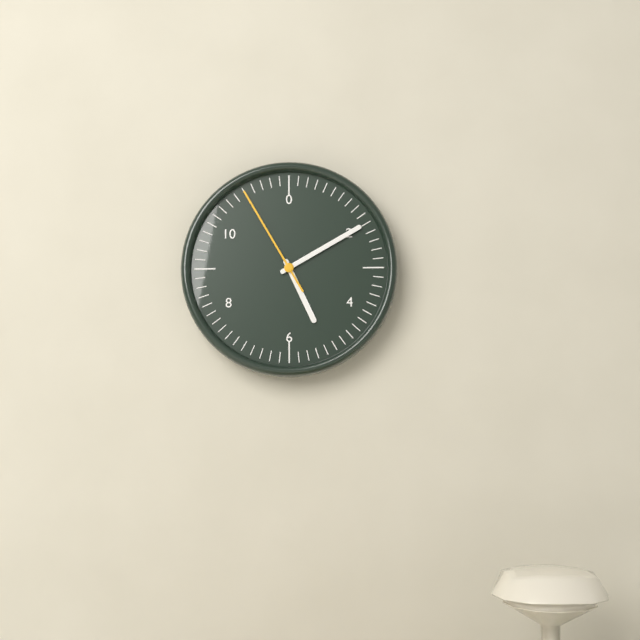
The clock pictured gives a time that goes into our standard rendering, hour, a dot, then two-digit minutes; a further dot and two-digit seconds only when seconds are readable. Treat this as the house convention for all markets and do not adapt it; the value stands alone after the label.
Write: 5.10.55
